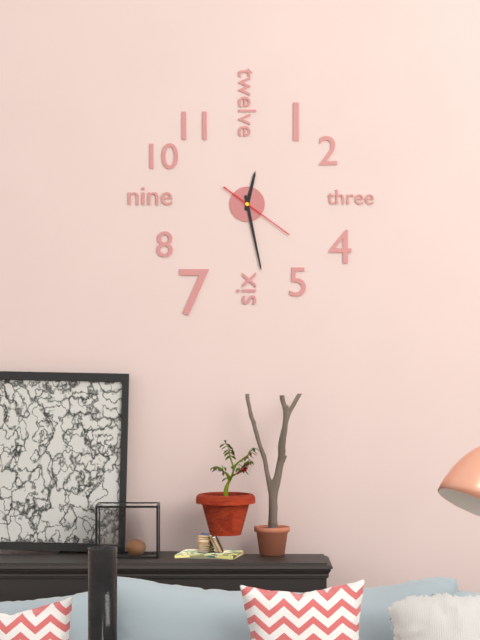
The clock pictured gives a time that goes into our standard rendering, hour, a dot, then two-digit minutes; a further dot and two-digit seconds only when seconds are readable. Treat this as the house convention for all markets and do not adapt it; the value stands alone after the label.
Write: 12.28.21
